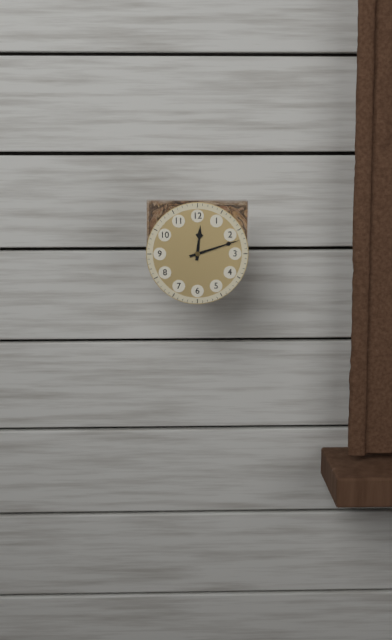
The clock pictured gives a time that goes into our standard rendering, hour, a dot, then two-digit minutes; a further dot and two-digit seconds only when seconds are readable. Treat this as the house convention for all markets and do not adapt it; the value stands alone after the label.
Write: 12.12
